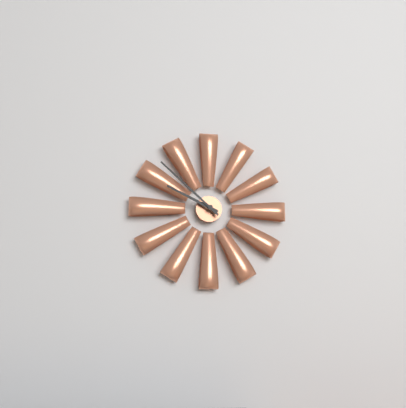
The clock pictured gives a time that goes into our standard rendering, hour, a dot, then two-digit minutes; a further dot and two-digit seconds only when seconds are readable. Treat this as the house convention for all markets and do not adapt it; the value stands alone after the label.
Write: 9.52
